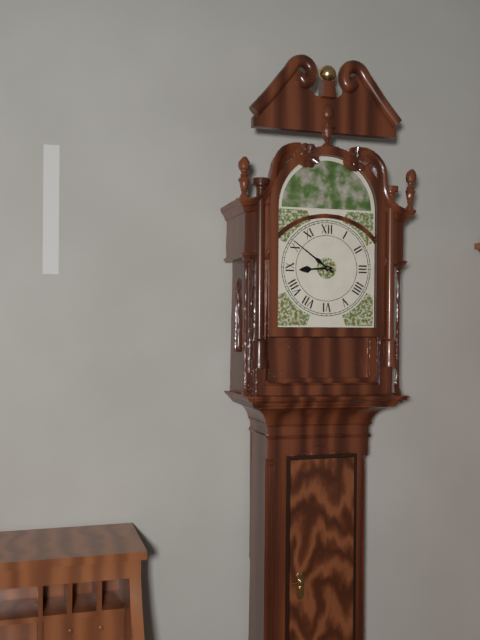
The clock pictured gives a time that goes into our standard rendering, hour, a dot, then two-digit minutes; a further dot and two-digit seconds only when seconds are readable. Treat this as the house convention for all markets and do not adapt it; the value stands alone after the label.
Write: 8.51
